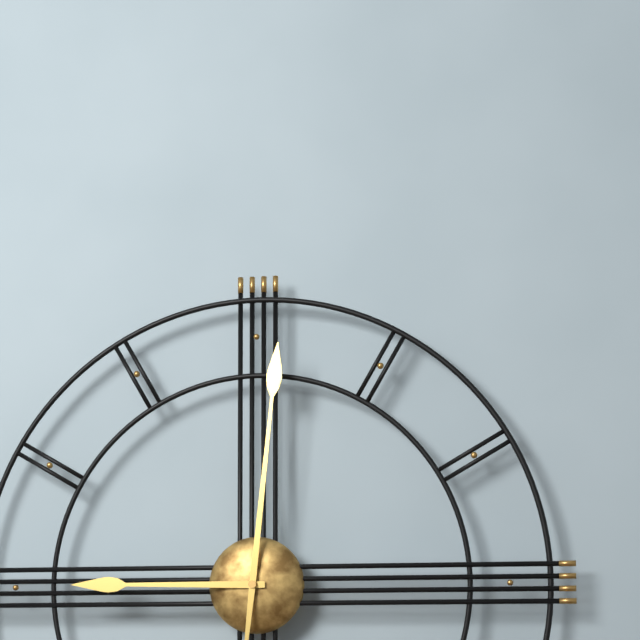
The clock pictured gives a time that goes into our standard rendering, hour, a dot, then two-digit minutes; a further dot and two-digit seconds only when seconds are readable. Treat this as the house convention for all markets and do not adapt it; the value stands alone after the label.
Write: 9.01
